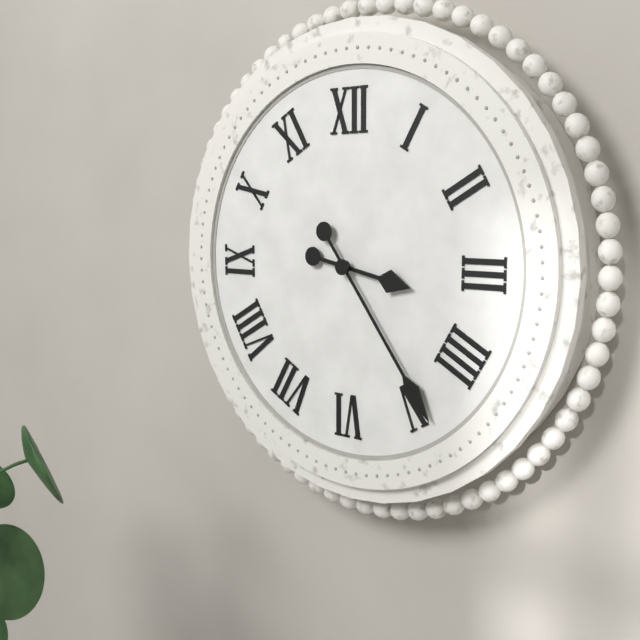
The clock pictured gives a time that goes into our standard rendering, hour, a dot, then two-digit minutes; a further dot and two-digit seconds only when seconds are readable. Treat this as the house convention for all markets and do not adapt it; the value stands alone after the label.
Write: 3.24
